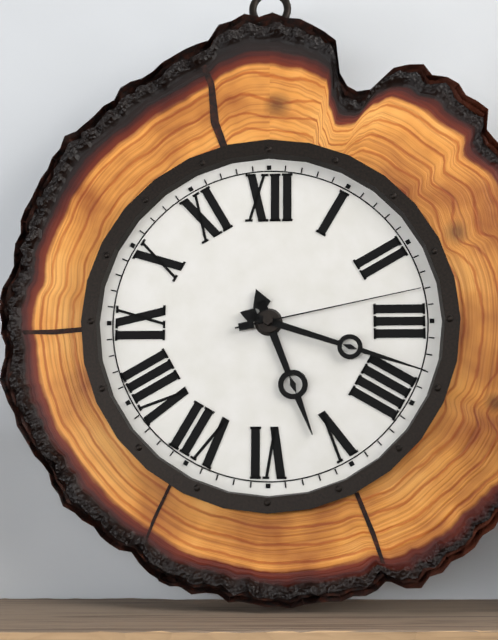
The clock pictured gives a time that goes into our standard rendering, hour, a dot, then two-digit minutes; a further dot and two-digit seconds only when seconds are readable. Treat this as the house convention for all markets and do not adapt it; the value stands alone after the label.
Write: 5.18.13
